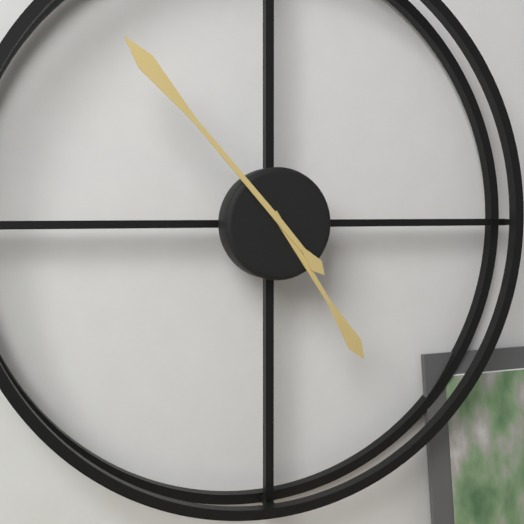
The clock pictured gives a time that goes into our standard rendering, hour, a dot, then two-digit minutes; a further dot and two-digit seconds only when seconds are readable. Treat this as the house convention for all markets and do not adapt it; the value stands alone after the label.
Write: 4.53
